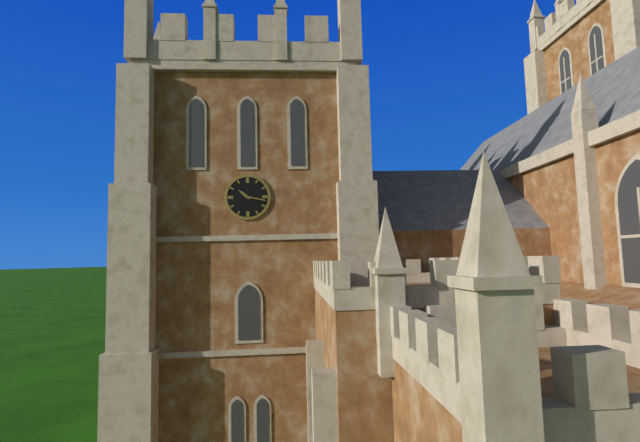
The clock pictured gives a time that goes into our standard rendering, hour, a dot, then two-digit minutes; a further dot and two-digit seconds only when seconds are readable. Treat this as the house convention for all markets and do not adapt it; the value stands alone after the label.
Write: 10.17
